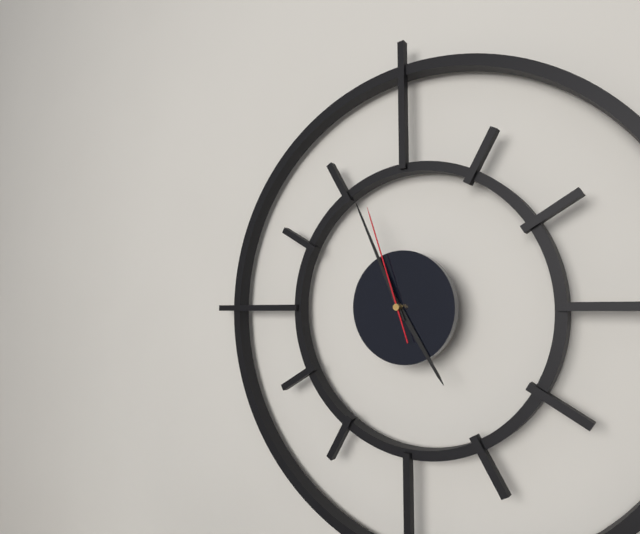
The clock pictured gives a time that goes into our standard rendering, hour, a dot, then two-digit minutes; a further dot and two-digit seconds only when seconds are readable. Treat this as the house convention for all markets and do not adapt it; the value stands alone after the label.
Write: 4.56.57
